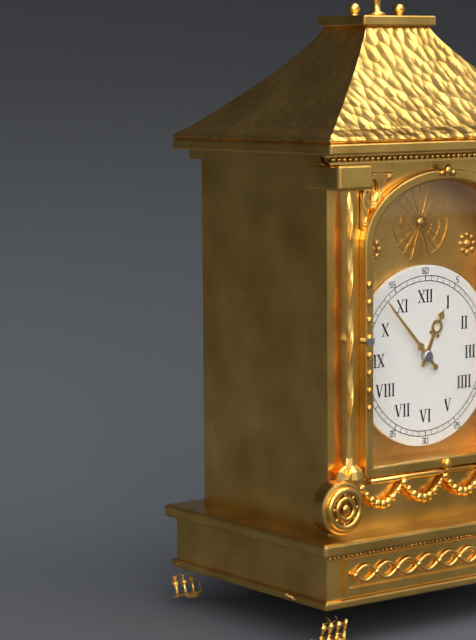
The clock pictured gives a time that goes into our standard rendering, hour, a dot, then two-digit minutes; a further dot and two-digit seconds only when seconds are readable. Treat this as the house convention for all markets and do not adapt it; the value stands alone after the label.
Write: 12.53
